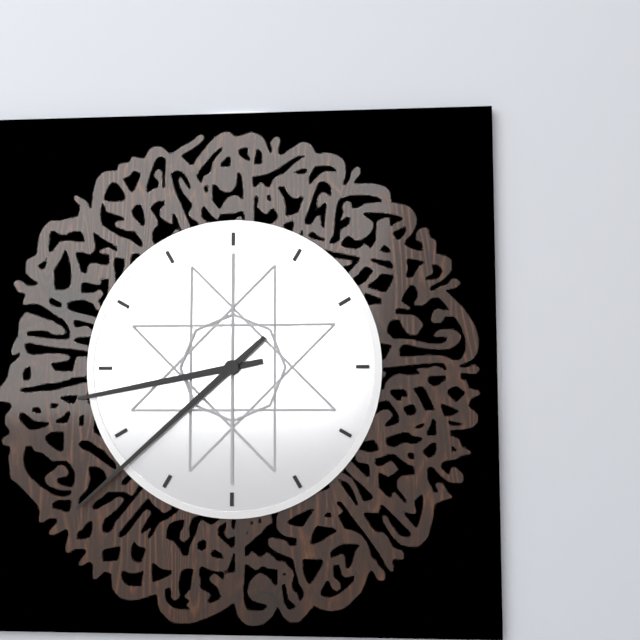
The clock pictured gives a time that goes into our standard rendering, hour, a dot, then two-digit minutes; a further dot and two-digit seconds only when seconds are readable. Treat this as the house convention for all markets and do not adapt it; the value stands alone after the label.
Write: 8.38
